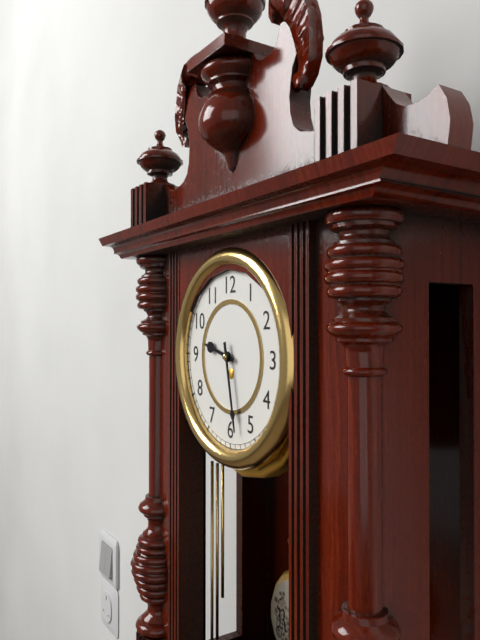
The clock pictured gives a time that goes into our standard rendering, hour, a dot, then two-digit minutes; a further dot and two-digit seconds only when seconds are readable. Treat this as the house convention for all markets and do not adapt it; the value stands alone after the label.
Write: 9.28
